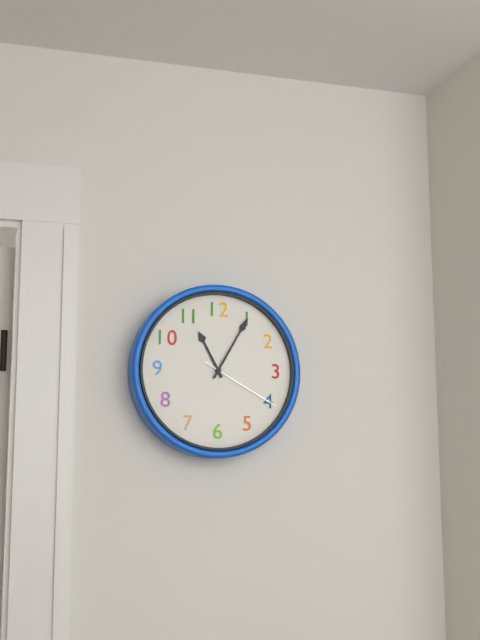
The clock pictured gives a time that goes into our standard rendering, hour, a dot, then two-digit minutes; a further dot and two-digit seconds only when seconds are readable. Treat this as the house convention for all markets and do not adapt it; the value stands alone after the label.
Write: 11.05.20
